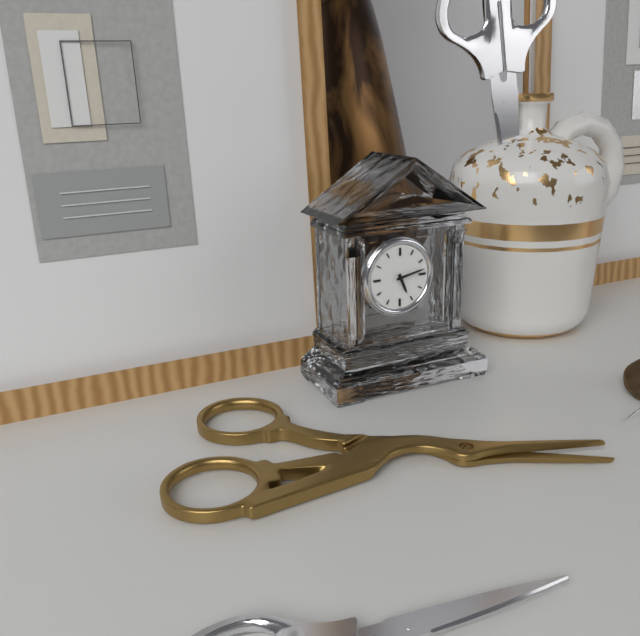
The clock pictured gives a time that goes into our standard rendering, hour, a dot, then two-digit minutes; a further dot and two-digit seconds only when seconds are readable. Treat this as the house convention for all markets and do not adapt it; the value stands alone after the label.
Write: 5.13
